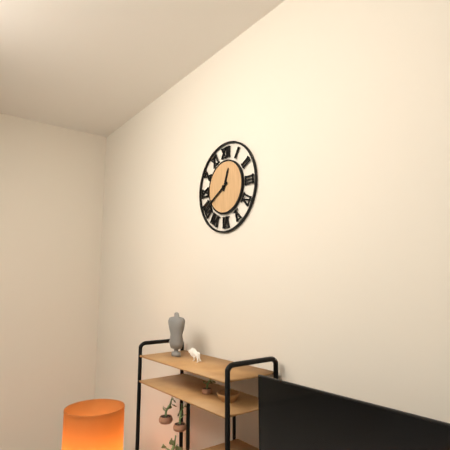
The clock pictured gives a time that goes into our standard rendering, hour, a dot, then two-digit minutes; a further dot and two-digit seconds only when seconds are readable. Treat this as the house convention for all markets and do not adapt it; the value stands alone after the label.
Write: 12.40
